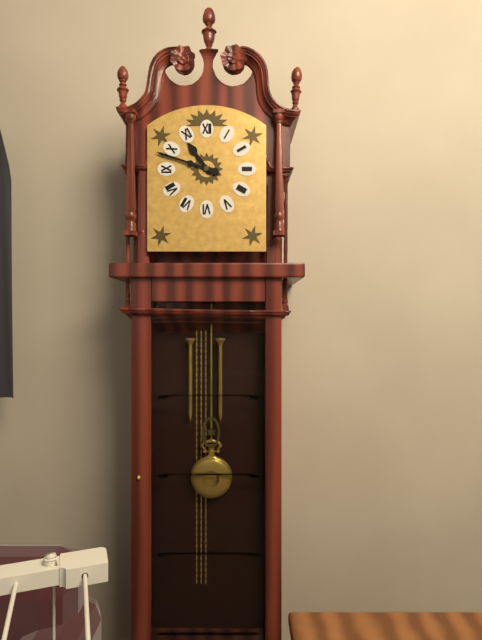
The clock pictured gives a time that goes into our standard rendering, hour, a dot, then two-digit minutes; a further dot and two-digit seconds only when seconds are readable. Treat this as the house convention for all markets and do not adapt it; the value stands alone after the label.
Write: 10.48
